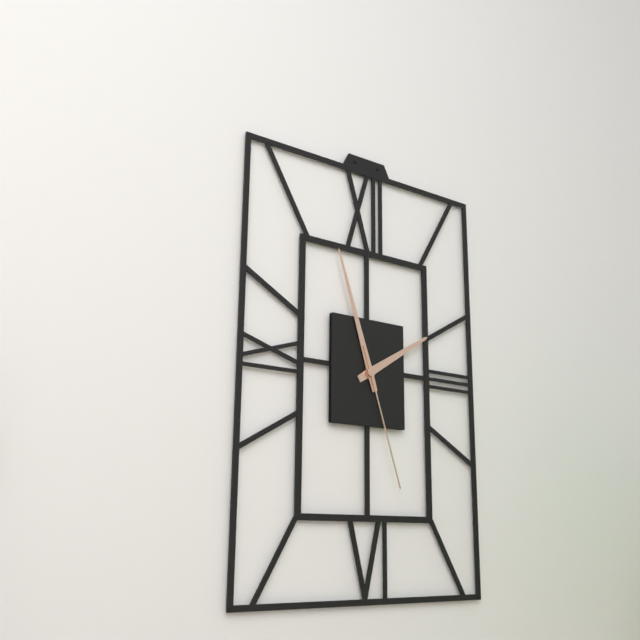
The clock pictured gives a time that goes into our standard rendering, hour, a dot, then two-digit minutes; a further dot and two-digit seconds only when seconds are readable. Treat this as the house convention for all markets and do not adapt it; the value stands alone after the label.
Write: 1.57.27
